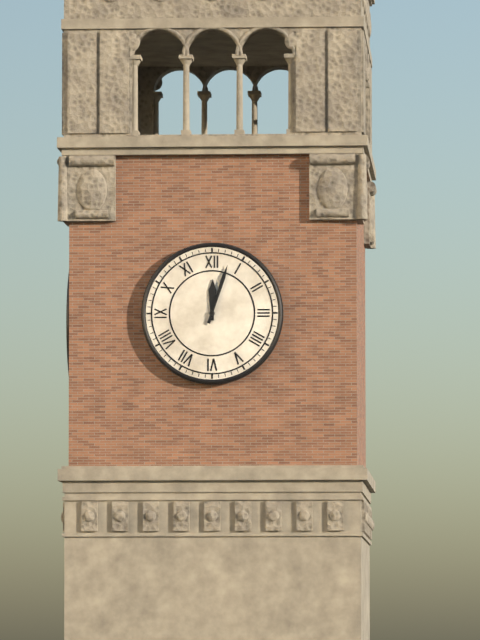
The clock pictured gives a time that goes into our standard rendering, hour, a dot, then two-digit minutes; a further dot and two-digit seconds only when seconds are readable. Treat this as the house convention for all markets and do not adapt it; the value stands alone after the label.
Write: 12.03
